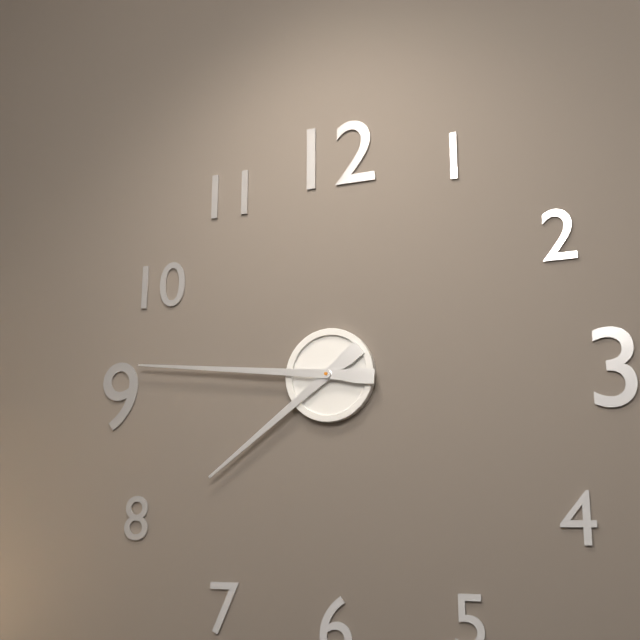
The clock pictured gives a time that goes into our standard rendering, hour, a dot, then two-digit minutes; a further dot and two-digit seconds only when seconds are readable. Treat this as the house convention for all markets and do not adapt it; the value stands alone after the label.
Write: 7.46
